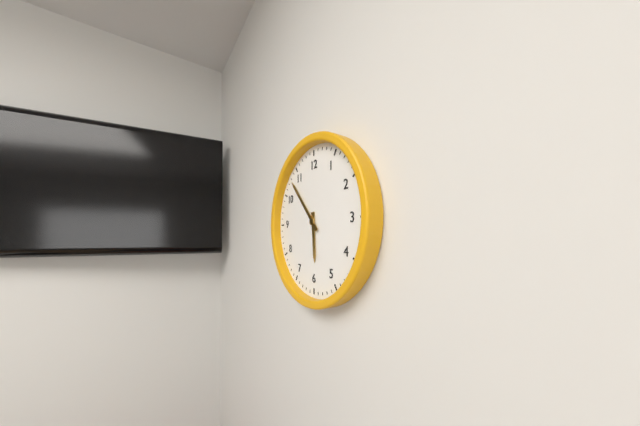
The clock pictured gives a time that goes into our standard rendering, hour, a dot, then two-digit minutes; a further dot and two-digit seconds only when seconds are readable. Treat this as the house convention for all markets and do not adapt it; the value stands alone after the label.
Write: 5.53
